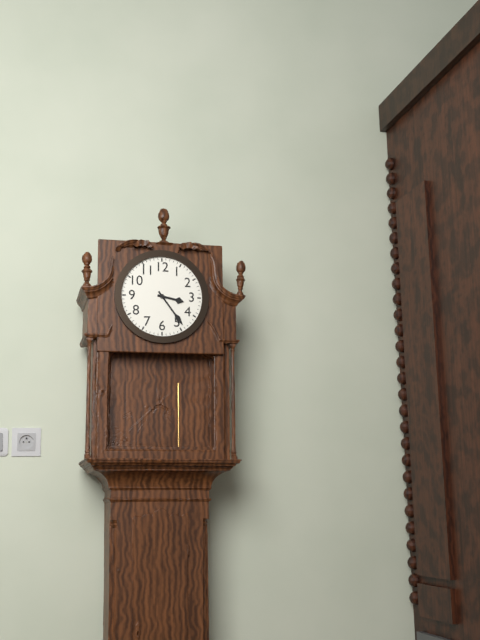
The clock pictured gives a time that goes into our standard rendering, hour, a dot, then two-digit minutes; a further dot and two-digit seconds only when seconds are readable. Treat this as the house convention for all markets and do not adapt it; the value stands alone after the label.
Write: 3.24
